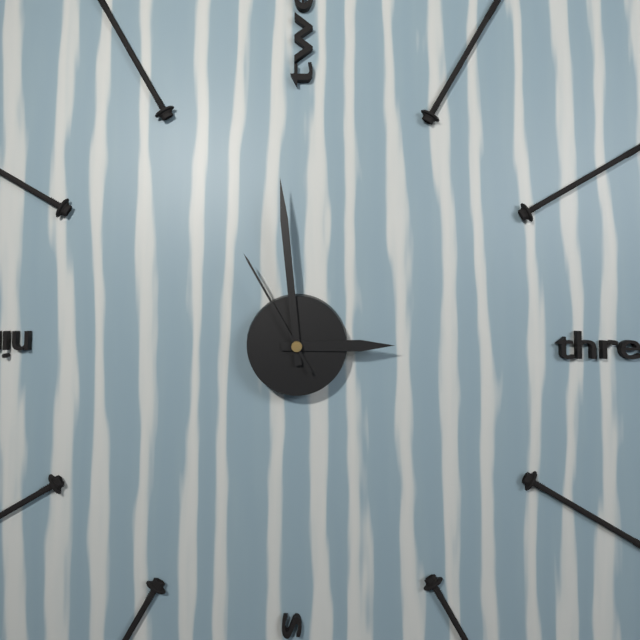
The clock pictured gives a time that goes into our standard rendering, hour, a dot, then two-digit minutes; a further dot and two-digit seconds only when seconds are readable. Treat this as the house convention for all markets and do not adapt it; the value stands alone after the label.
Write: 2.59.55
